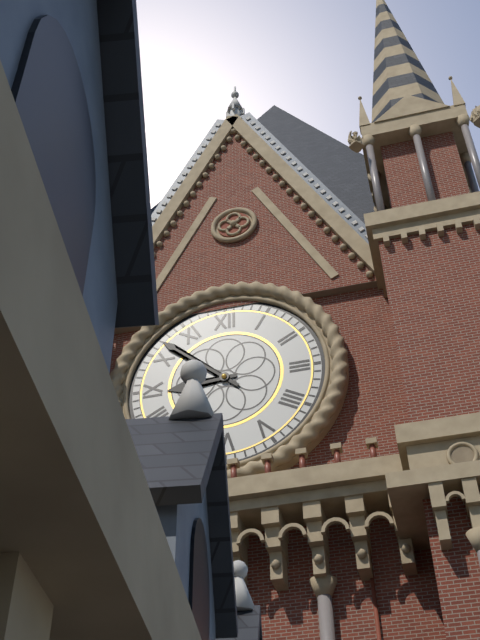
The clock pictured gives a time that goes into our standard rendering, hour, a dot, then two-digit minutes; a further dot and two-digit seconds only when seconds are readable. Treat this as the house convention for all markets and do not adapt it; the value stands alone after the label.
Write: 8.52
